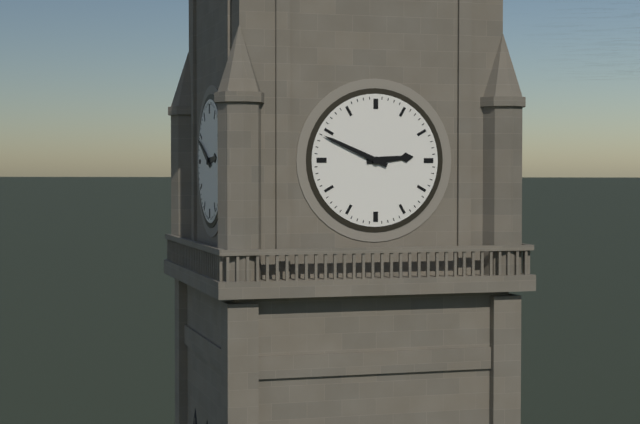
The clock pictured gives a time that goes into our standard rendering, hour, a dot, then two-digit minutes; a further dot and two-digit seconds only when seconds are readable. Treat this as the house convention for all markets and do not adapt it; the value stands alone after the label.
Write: 2.49
